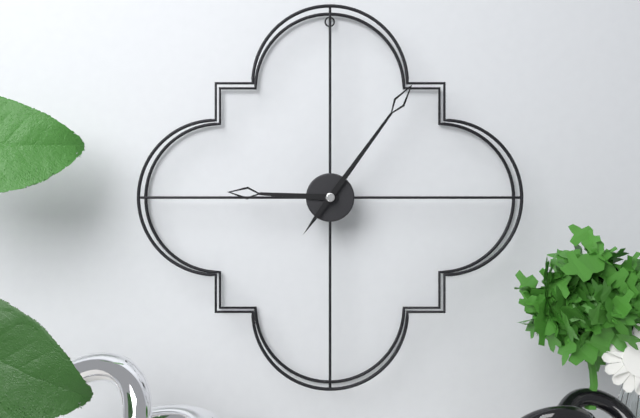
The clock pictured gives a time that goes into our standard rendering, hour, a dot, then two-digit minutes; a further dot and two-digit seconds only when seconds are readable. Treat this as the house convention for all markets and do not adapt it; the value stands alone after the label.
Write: 9.06
